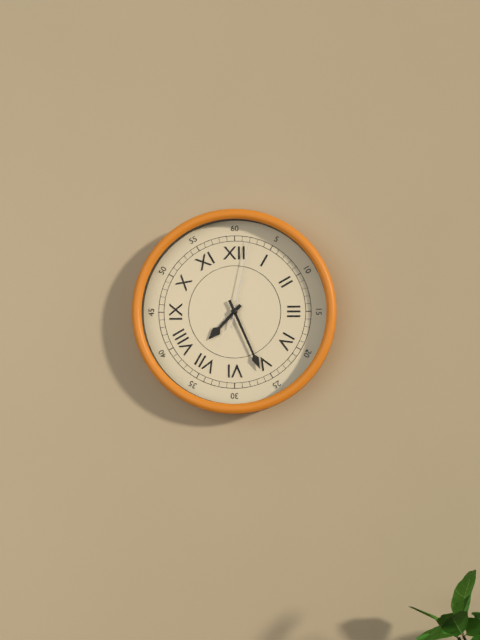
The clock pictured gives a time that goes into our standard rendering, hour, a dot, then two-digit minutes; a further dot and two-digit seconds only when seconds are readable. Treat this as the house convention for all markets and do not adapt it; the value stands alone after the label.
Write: 7.26.02
